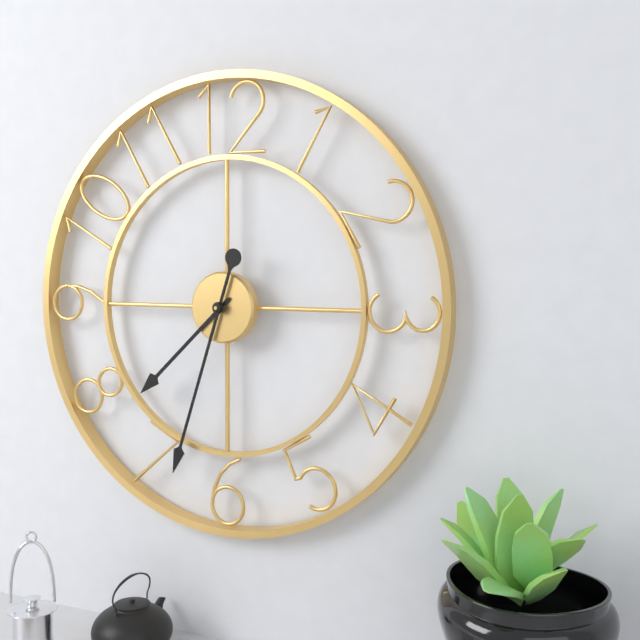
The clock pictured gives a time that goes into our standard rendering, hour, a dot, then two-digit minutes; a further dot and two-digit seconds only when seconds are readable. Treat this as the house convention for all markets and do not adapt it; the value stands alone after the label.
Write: 7.33
